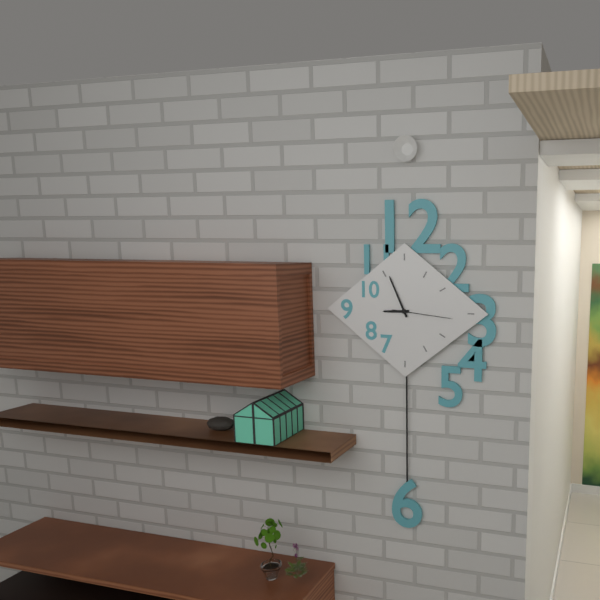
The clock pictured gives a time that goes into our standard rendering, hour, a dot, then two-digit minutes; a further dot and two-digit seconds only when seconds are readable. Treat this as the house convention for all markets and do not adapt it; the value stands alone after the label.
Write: 8.56.16
